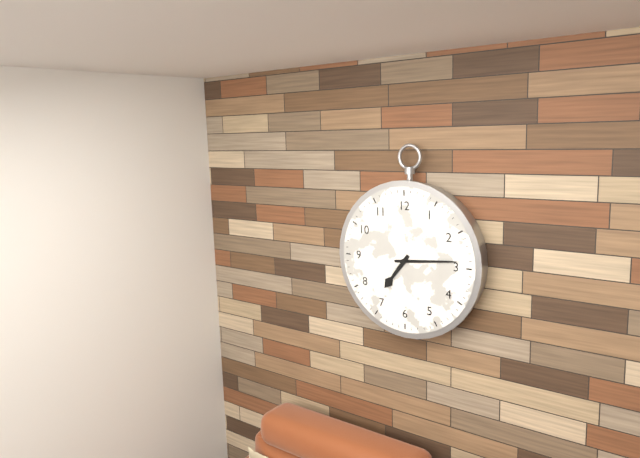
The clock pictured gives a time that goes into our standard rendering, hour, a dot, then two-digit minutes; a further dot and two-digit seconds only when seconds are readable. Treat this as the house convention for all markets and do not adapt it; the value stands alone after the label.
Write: 7.14
